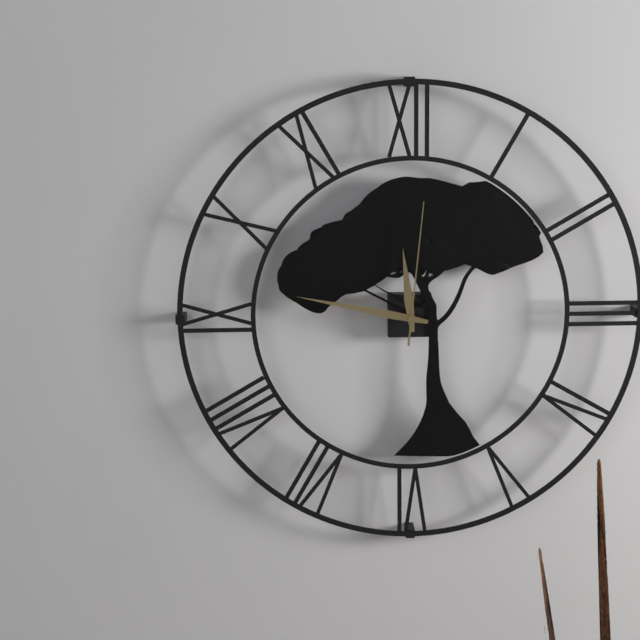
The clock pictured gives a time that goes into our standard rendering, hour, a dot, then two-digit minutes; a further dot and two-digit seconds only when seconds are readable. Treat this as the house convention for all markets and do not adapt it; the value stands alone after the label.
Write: 11.47.01
